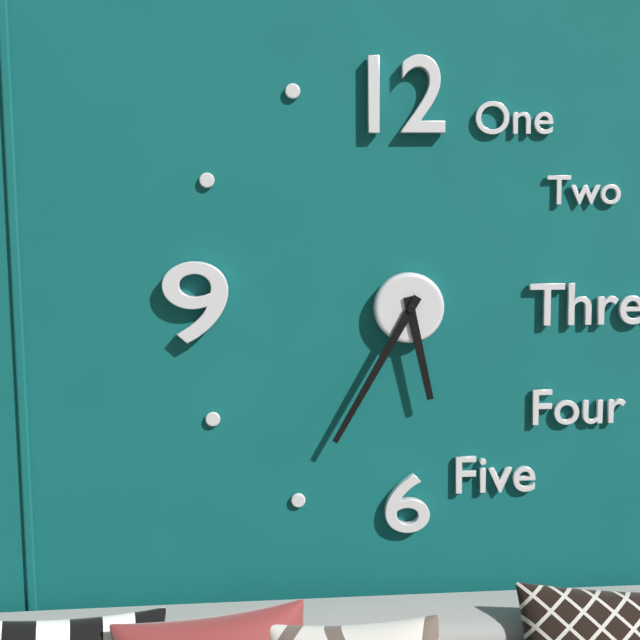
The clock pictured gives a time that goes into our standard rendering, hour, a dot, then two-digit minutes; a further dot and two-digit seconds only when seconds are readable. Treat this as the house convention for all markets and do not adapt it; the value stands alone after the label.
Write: 5.35
